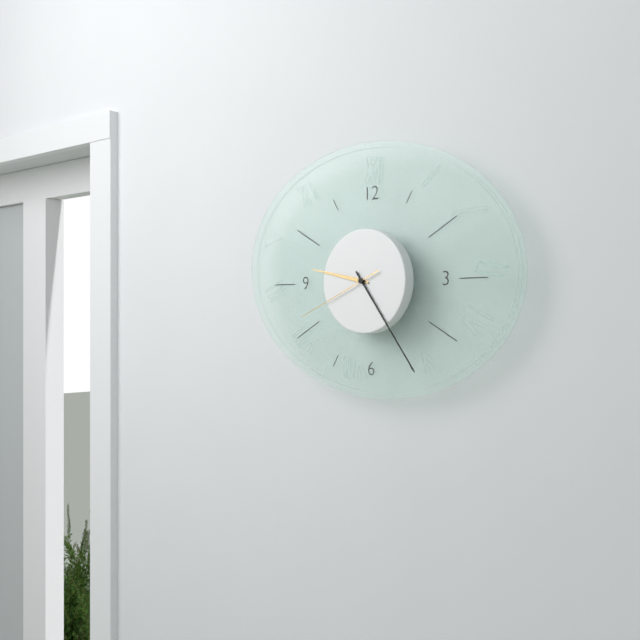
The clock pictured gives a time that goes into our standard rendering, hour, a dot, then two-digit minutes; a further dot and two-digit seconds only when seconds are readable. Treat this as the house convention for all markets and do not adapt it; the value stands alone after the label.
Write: 9.24.41
